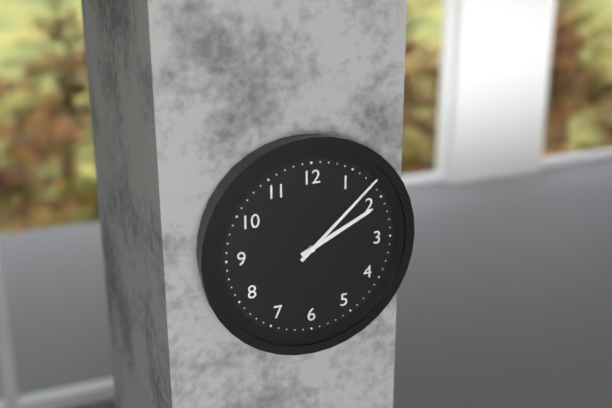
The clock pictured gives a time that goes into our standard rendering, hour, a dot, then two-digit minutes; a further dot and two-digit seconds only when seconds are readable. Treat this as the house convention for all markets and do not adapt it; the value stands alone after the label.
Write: 2.08
